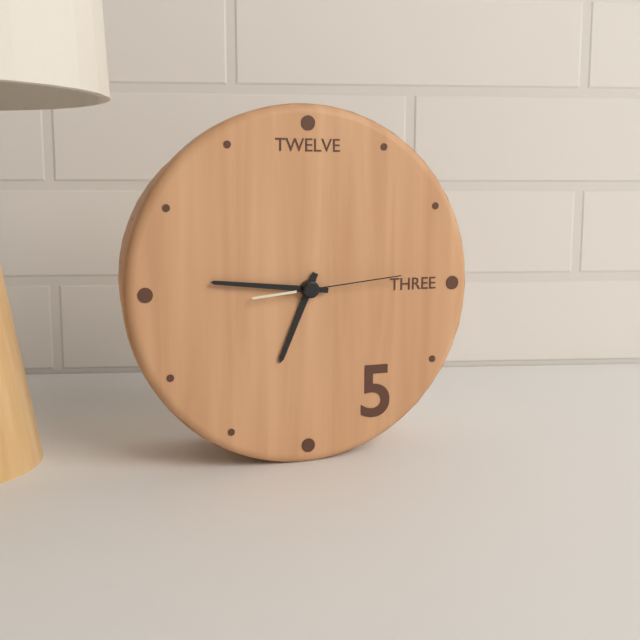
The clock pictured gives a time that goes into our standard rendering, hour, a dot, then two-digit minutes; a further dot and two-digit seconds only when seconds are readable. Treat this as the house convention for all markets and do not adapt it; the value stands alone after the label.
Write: 6.46.14
